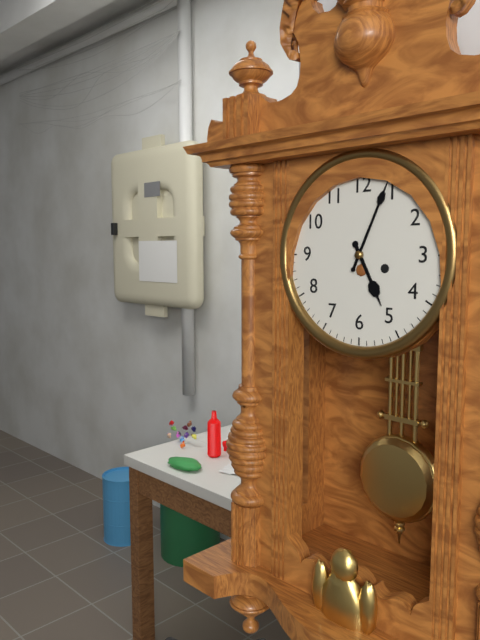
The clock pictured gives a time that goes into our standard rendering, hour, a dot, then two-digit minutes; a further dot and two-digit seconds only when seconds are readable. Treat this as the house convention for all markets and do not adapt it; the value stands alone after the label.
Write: 5.04
